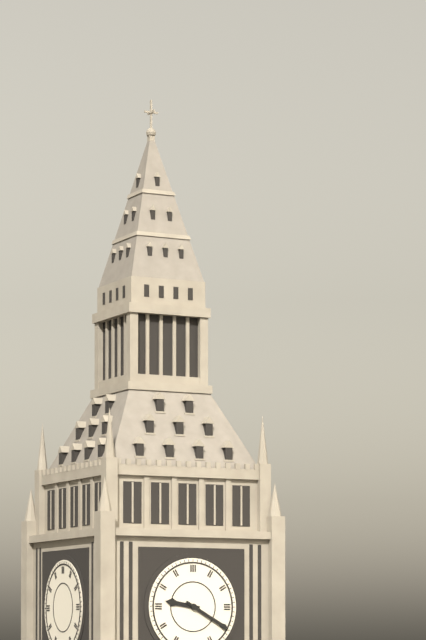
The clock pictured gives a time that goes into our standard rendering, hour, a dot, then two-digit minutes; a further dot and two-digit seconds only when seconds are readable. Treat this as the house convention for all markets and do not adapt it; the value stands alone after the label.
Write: 9.20
